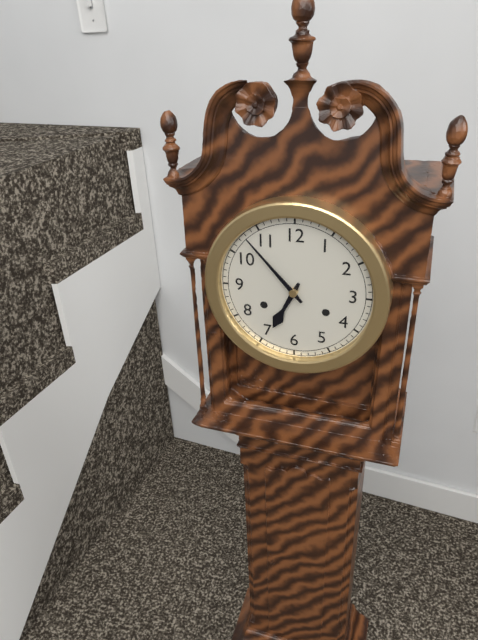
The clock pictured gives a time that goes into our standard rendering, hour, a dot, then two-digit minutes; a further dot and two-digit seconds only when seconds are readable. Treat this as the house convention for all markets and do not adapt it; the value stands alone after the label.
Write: 6.53
